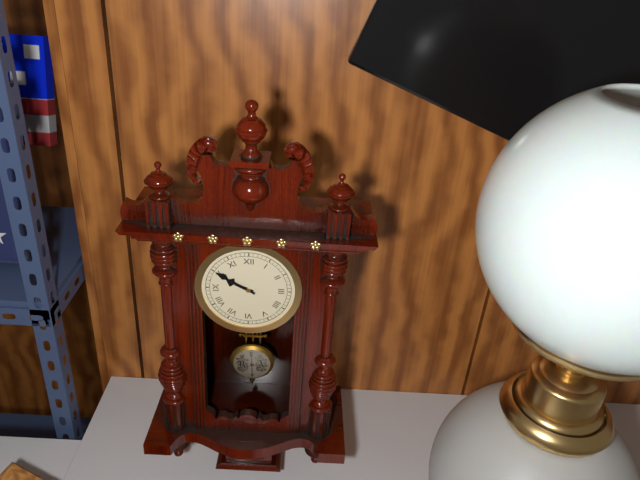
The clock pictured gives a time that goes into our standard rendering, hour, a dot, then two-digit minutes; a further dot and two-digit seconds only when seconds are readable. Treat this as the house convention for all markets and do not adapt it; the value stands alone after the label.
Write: 9.50
